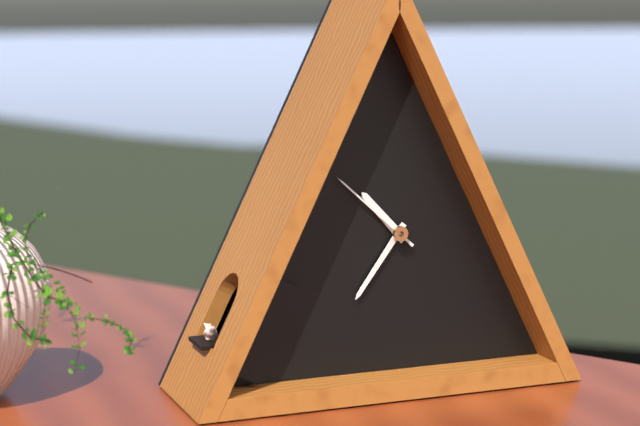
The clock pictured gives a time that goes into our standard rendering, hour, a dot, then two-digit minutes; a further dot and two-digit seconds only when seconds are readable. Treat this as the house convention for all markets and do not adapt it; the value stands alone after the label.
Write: 10.36.52
